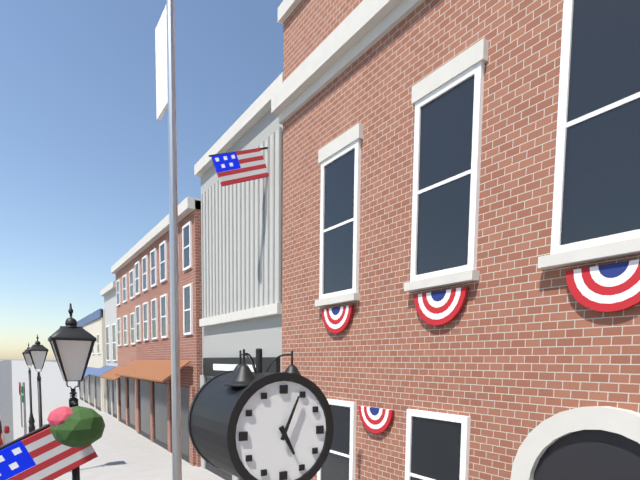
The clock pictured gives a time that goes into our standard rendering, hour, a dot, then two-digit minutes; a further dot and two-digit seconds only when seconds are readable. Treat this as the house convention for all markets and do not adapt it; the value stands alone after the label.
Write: 5.04
